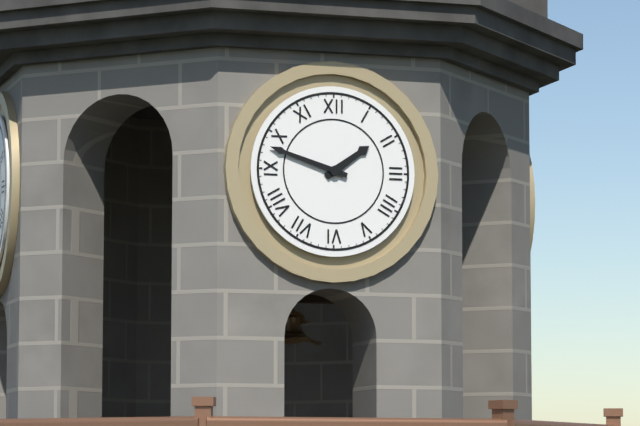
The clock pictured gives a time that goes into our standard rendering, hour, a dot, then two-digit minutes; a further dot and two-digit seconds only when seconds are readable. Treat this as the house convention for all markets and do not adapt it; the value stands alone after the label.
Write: 1.48
